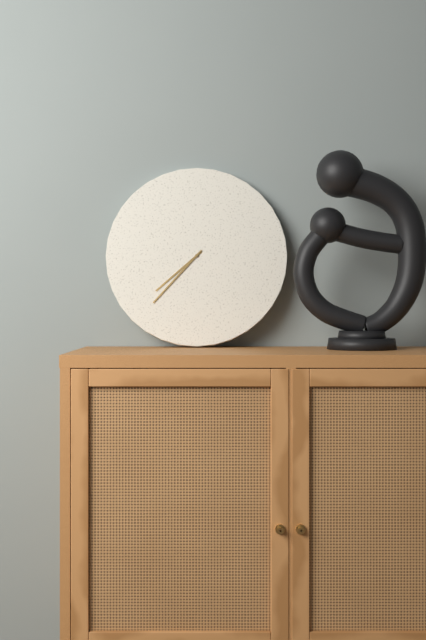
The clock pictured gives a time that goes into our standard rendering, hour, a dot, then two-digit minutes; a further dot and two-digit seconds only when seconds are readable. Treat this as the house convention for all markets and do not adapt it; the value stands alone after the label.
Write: 7.37
